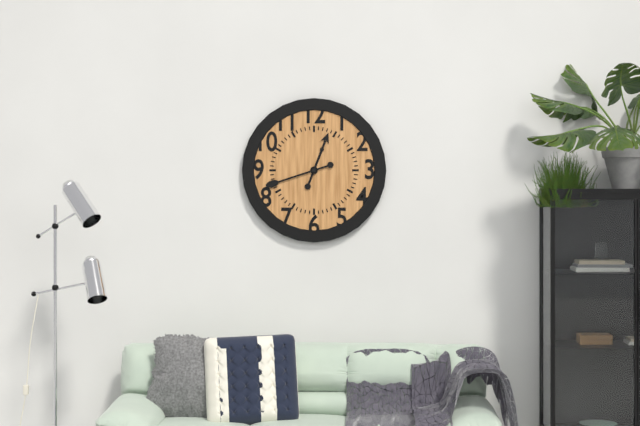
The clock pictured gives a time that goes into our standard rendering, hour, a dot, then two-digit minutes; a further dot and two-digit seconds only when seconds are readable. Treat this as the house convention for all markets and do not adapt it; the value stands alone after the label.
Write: 12.42
